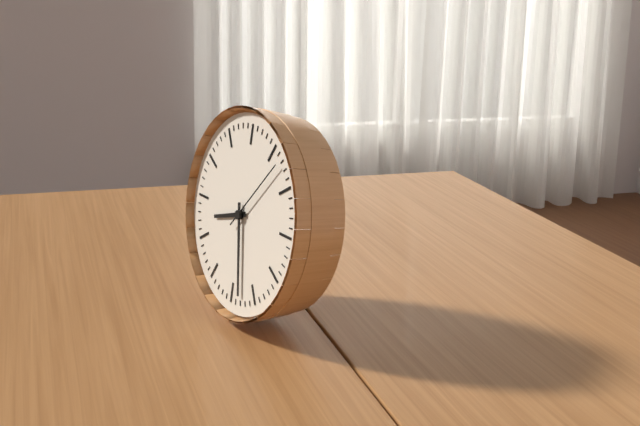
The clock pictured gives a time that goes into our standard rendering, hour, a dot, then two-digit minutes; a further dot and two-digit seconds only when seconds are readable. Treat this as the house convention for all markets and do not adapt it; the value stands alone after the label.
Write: 8.28.07
